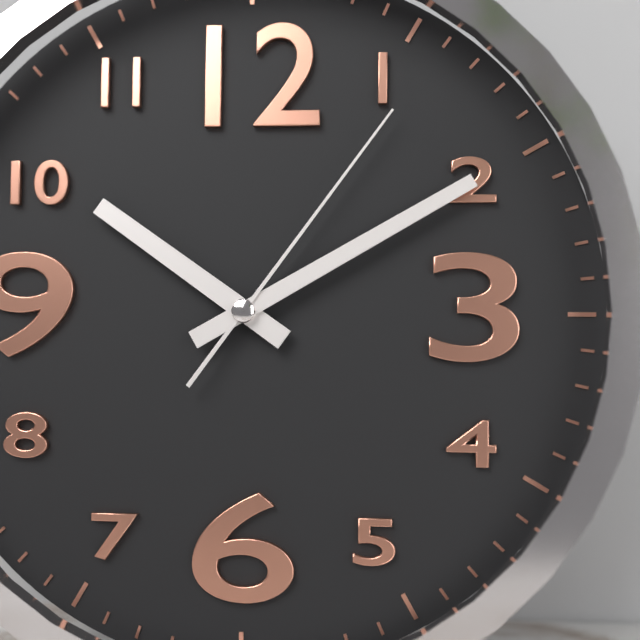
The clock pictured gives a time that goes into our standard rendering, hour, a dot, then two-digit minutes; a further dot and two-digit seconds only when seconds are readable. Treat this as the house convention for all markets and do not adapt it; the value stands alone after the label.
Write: 10.10.06
